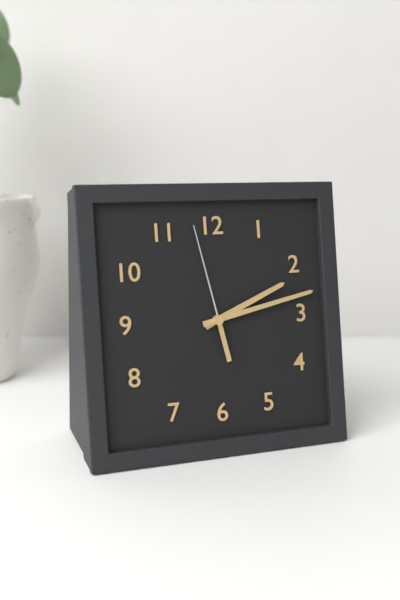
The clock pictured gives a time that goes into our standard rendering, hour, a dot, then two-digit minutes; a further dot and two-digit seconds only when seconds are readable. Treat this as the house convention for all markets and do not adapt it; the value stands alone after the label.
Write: 2.13.58
